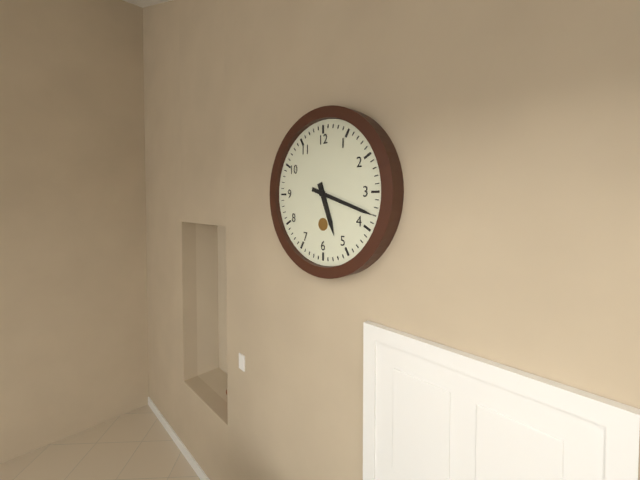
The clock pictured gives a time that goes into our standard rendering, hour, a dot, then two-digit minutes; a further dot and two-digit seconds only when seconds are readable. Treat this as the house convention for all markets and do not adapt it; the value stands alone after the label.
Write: 5.18
